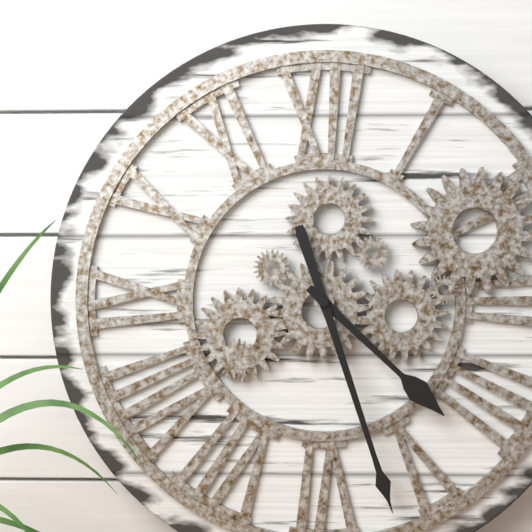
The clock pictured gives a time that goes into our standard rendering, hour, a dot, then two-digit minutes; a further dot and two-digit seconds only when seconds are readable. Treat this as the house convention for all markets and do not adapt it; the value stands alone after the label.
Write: 4.27
